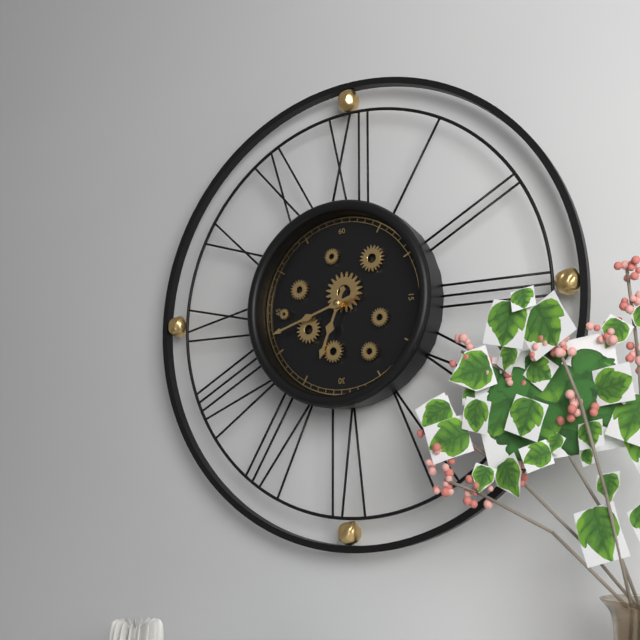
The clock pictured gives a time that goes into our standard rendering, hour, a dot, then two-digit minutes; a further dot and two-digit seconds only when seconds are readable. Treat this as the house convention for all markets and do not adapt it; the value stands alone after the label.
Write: 6.42
